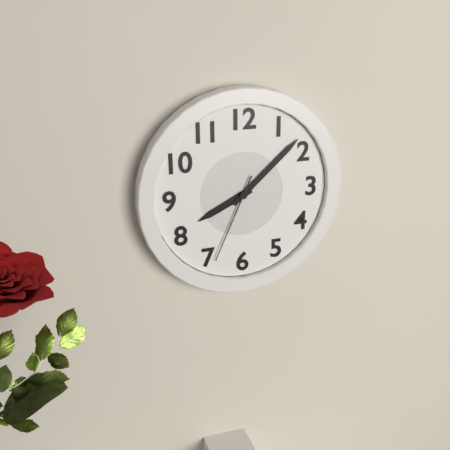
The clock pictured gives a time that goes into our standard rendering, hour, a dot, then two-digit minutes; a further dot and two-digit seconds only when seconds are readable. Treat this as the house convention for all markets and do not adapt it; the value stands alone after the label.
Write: 8.08.34
